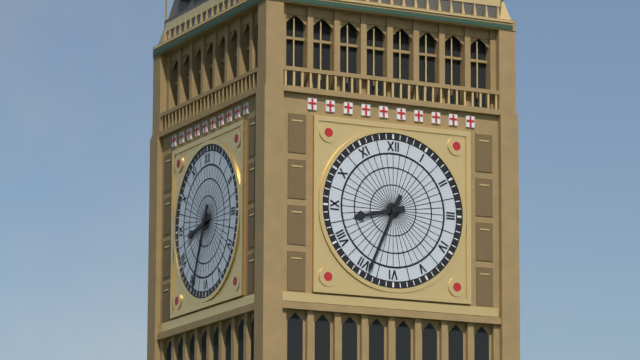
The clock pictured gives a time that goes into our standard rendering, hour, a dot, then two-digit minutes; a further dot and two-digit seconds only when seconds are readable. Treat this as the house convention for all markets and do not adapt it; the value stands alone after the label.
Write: 8.34
